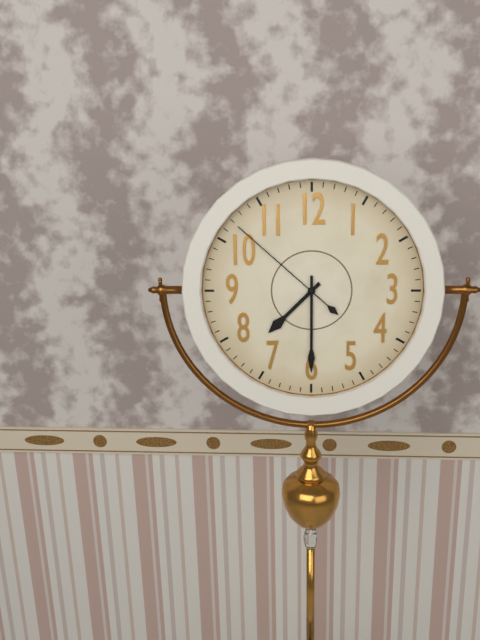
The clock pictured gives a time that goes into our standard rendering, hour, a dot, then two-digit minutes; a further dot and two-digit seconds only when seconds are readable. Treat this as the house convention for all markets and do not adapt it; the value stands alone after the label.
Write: 7.30.52
